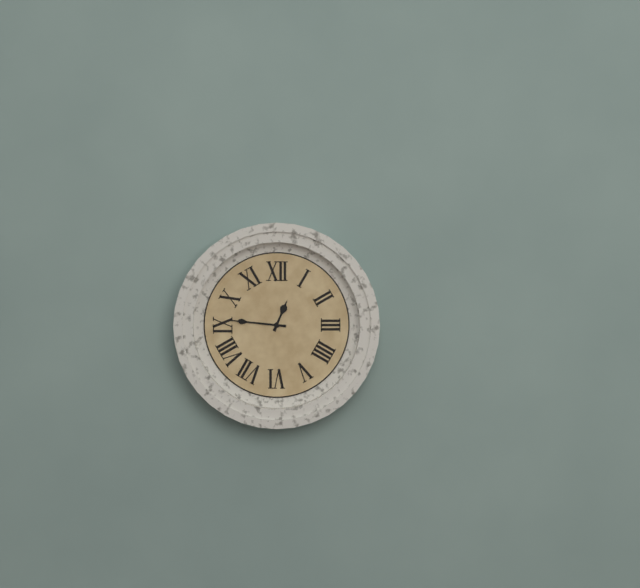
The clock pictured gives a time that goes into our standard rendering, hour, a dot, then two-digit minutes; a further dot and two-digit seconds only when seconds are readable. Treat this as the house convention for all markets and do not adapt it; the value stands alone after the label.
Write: 12.46
